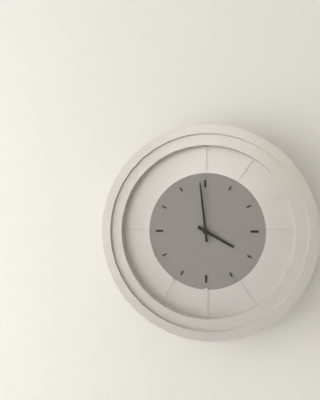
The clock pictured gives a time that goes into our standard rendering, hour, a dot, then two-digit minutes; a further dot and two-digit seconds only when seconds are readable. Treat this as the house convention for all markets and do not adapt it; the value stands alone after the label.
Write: 3.59
